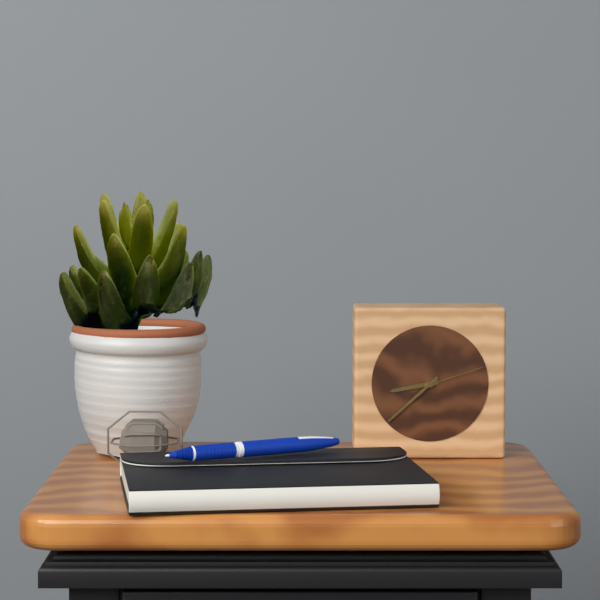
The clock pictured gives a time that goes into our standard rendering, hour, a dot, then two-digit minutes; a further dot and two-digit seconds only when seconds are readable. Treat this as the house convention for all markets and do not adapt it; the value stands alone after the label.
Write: 8.38.12
